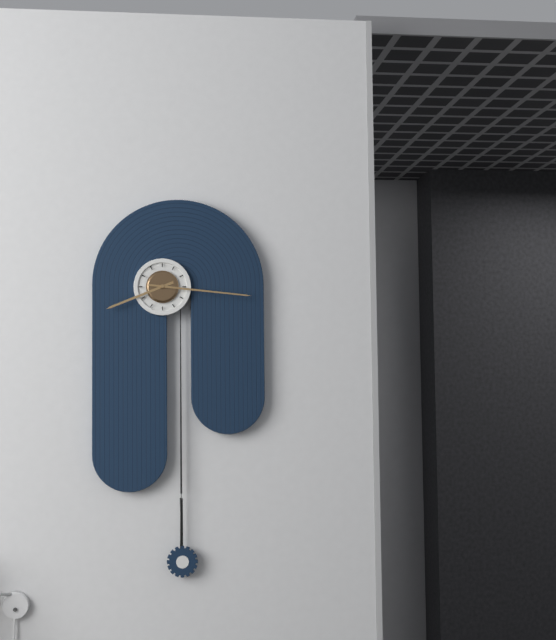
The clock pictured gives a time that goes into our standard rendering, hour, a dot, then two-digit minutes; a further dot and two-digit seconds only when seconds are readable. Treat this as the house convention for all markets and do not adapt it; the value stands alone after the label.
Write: 8.16
